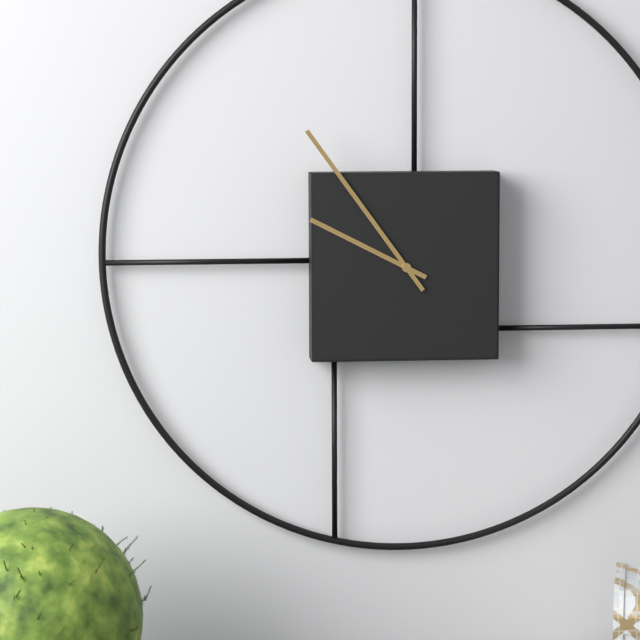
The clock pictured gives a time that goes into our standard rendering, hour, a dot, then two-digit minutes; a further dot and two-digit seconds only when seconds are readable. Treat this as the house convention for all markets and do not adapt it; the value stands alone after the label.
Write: 9.54
